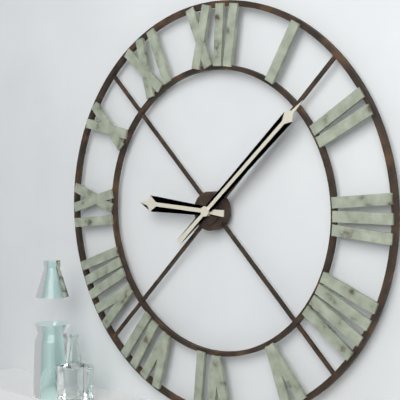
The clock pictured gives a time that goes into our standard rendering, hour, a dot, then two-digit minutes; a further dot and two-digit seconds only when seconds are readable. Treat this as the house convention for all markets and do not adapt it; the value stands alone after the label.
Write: 9.08
